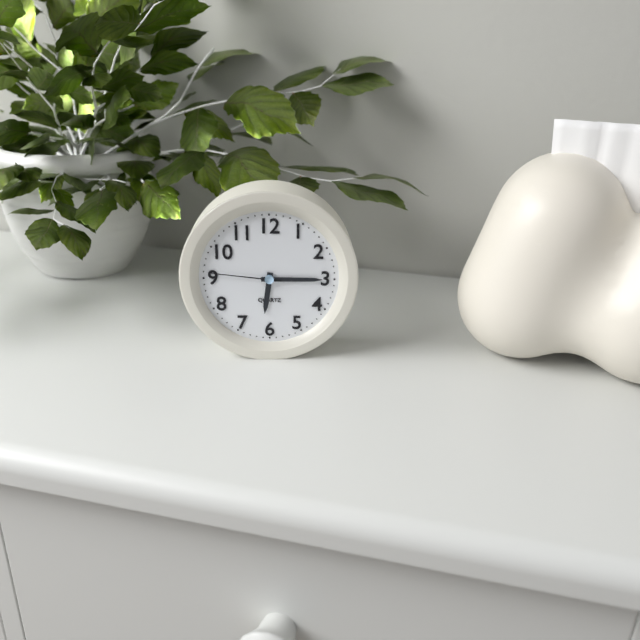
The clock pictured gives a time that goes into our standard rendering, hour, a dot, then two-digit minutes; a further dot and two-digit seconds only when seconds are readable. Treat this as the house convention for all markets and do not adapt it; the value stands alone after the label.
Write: 6.15.46
